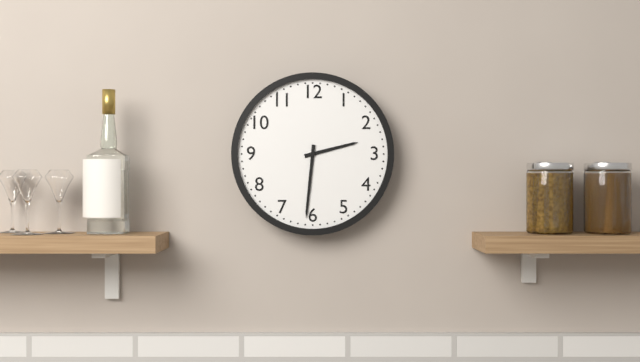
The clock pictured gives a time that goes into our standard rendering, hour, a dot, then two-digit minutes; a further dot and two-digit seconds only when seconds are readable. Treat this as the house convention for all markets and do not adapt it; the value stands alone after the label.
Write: 2.31
